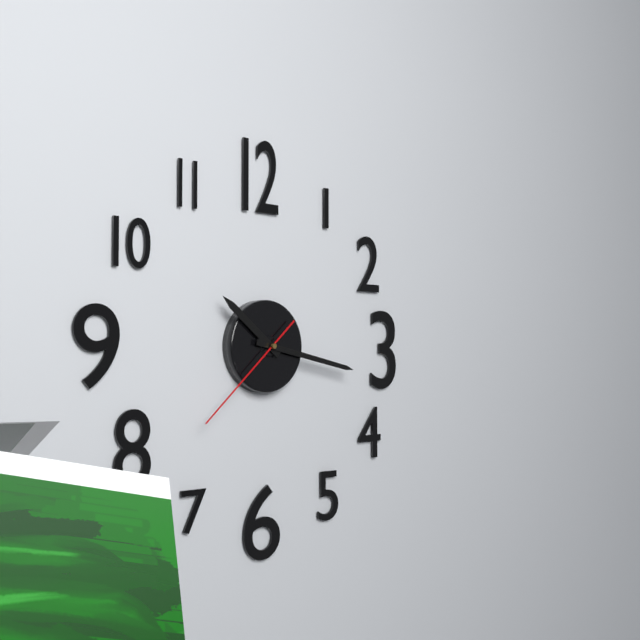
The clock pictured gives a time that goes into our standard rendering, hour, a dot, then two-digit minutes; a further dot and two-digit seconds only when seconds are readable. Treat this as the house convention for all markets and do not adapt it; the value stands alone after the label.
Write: 10.17.38
